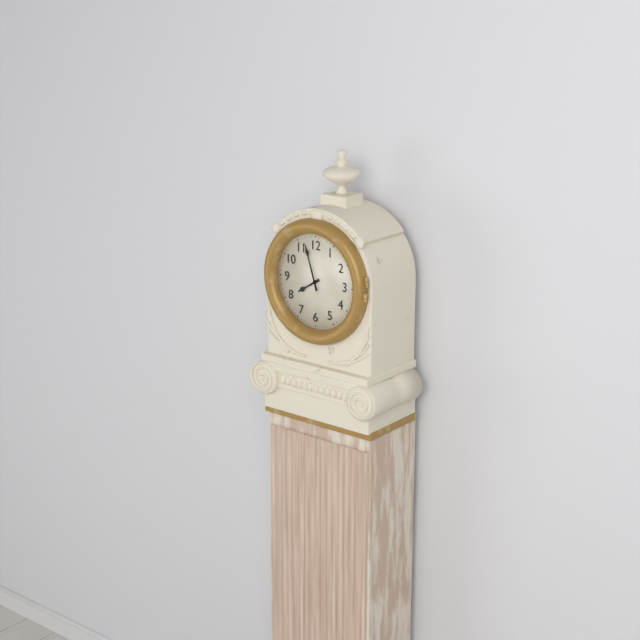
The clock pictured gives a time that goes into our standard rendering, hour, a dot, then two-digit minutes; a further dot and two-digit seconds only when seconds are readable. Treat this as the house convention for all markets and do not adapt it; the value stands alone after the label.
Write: 7.57
